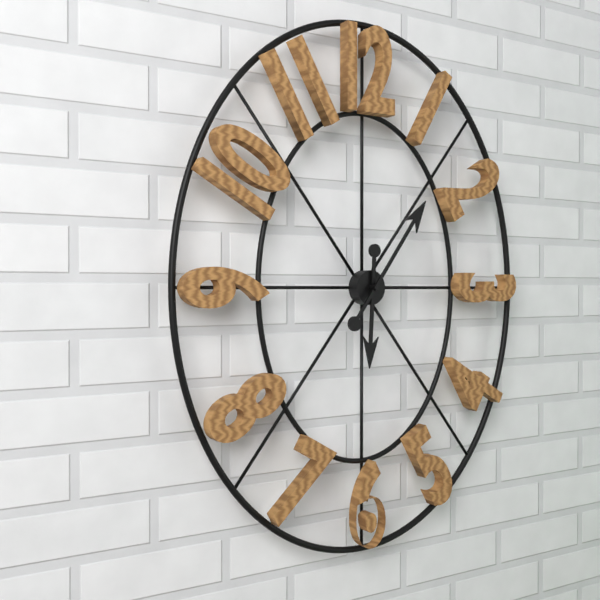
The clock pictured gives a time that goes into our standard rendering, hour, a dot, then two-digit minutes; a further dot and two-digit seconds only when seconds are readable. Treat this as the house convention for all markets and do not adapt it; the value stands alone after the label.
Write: 6.06
